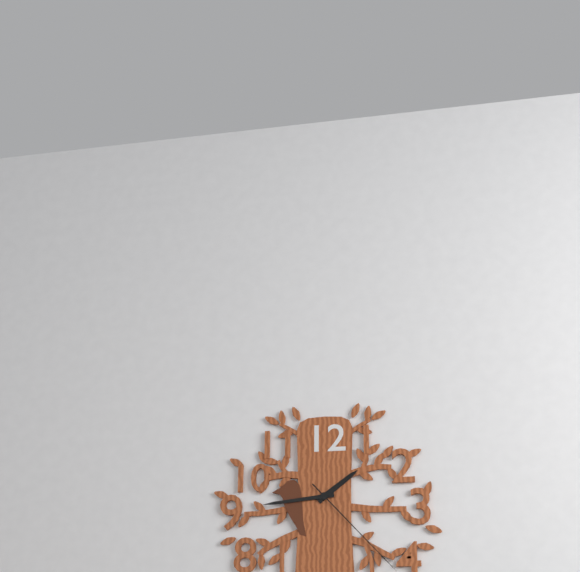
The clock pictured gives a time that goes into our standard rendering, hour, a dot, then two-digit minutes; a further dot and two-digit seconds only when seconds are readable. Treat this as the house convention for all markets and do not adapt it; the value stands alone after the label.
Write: 1.44
